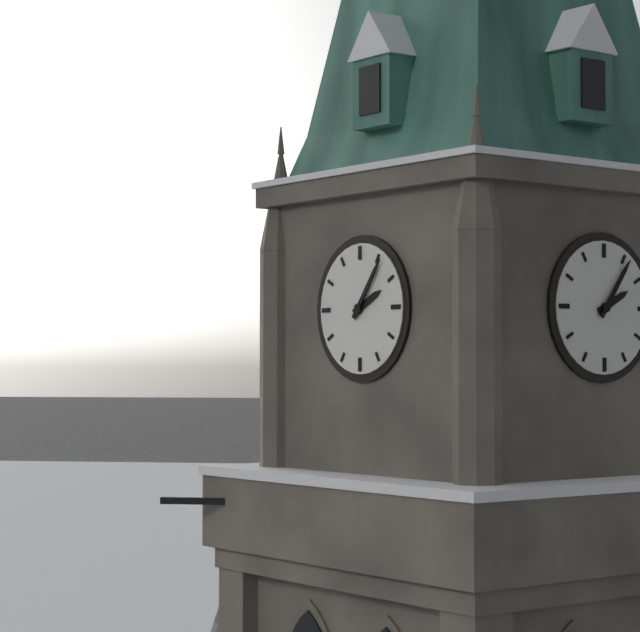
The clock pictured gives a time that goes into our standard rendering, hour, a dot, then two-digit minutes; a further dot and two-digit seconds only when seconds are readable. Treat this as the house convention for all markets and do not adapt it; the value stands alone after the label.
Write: 2.06
